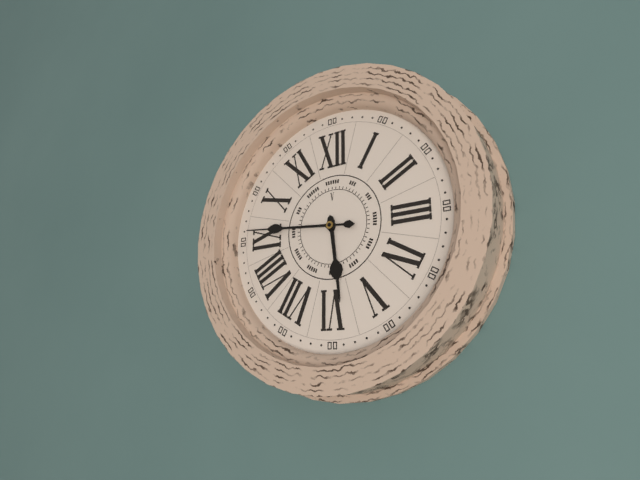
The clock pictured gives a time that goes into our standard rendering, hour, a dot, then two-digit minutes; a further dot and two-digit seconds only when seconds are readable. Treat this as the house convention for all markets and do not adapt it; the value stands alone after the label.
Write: 5.46
